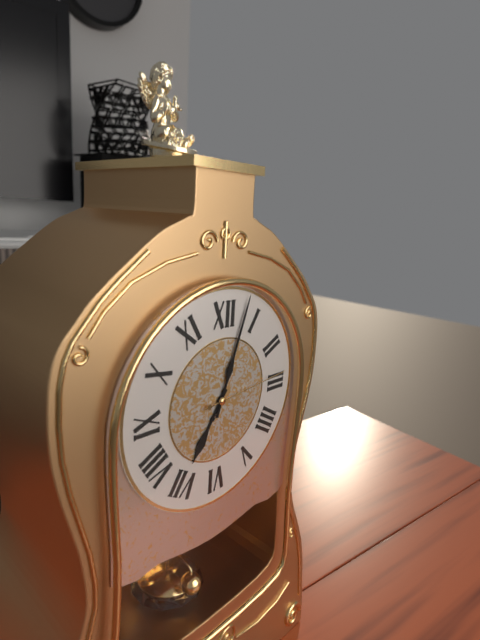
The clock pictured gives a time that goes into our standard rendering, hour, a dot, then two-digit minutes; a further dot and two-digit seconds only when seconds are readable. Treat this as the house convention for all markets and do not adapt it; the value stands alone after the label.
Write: 7.03.14
